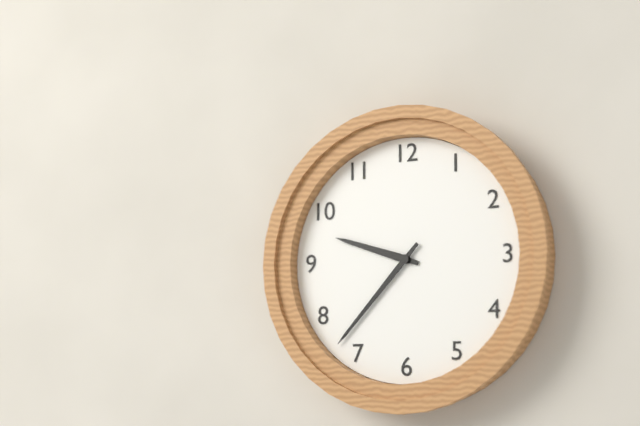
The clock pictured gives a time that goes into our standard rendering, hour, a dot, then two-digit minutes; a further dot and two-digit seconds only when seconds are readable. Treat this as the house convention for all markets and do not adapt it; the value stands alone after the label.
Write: 9.37
